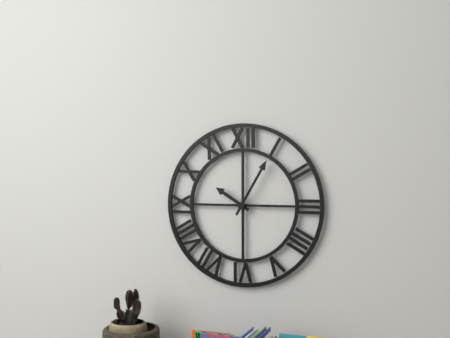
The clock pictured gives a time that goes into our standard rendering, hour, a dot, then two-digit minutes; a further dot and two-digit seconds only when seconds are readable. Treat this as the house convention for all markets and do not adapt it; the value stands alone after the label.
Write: 10.05
